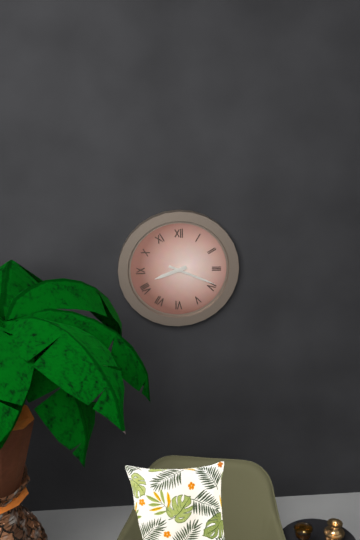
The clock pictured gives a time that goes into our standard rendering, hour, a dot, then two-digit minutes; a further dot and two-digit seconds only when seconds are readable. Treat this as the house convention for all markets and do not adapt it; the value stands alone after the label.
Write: 8.19
